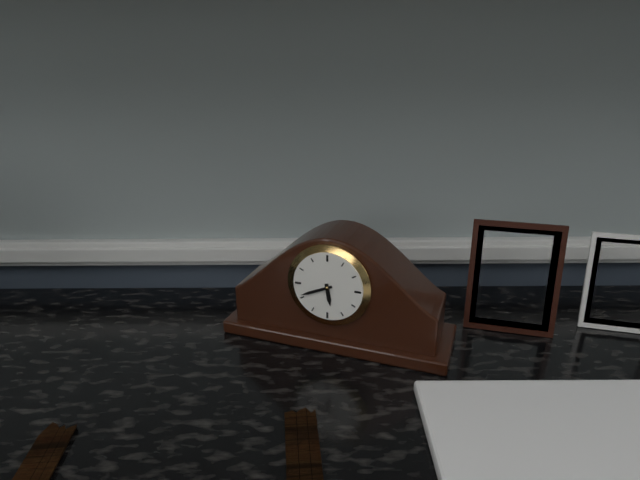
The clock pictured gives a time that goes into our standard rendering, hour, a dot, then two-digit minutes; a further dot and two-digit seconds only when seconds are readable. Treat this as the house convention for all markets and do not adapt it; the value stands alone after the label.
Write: 5.41
